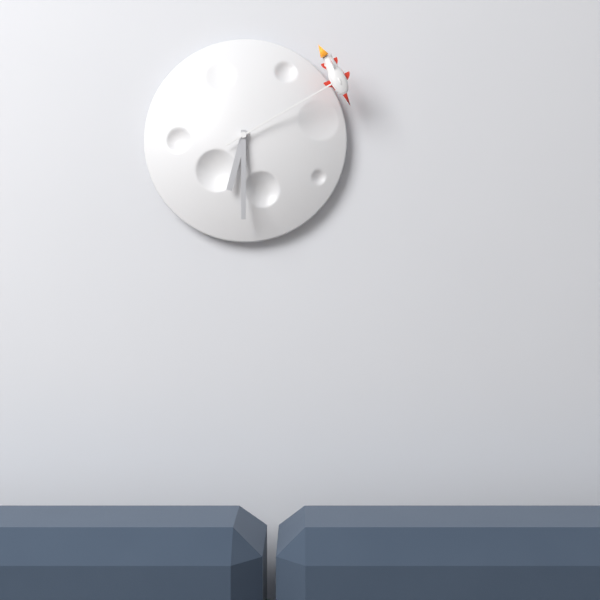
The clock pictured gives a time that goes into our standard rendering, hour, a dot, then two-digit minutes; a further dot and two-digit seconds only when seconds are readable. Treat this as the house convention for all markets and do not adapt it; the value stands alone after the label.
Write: 6.30.10
